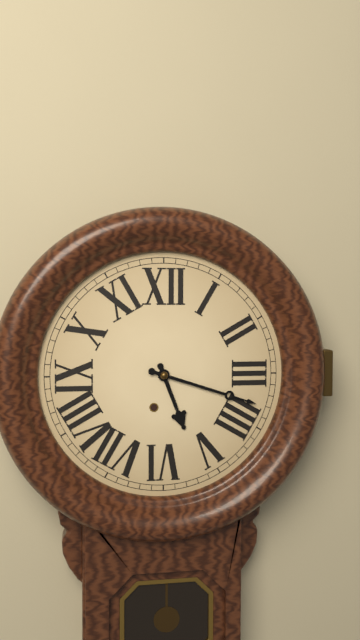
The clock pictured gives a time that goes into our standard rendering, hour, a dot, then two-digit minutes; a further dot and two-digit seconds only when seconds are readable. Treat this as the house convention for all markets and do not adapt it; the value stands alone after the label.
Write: 5.18
